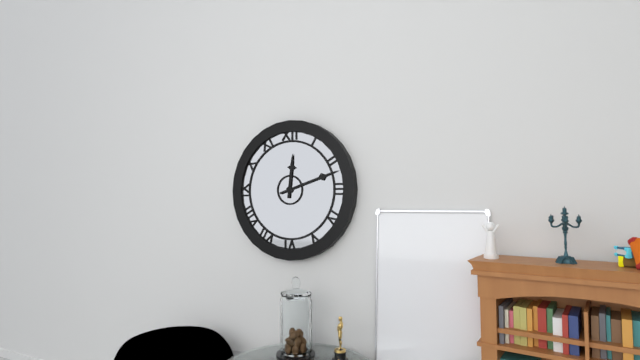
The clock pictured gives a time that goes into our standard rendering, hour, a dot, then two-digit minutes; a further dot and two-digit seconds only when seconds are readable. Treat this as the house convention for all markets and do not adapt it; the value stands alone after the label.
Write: 12.12
